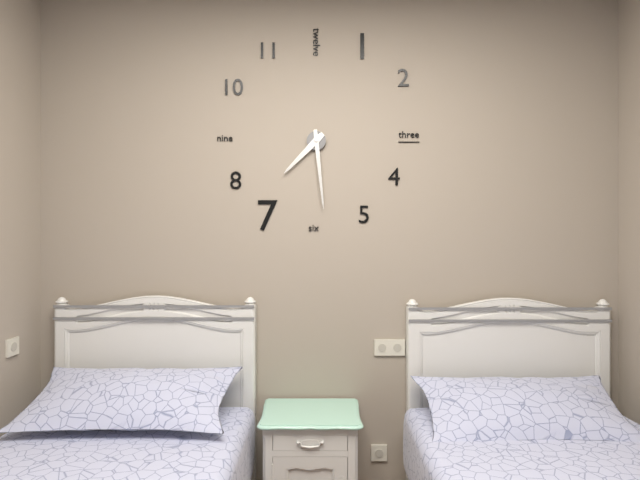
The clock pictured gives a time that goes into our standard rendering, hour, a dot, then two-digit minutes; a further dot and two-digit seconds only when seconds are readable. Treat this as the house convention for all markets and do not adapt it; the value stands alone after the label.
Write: 7.29
